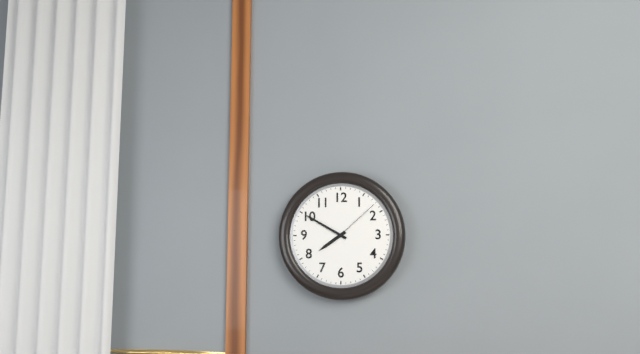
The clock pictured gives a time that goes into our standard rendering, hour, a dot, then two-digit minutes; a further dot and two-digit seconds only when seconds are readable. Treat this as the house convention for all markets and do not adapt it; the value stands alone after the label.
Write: 7.50.08
